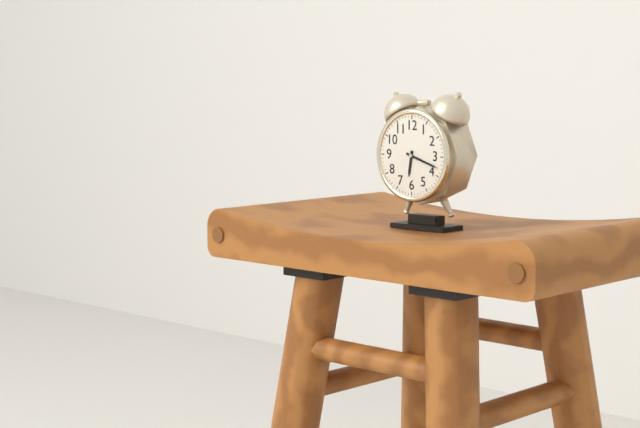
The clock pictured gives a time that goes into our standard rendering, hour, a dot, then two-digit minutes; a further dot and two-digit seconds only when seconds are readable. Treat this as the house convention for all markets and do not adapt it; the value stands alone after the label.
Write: 6.18
